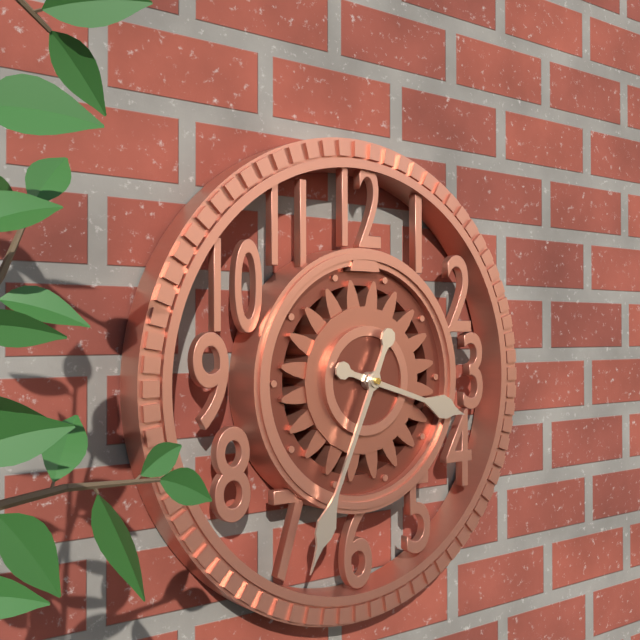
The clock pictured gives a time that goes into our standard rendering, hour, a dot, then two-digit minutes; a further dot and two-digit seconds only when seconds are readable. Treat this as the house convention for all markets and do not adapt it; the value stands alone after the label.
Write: 3.34
